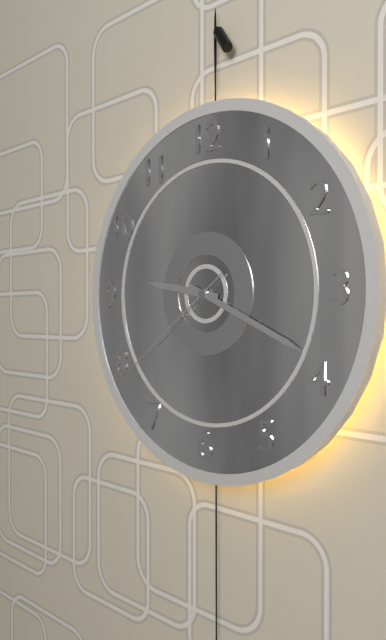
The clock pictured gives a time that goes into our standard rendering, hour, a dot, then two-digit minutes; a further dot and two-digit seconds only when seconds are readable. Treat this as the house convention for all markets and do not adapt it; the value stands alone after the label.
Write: 9.19.39
